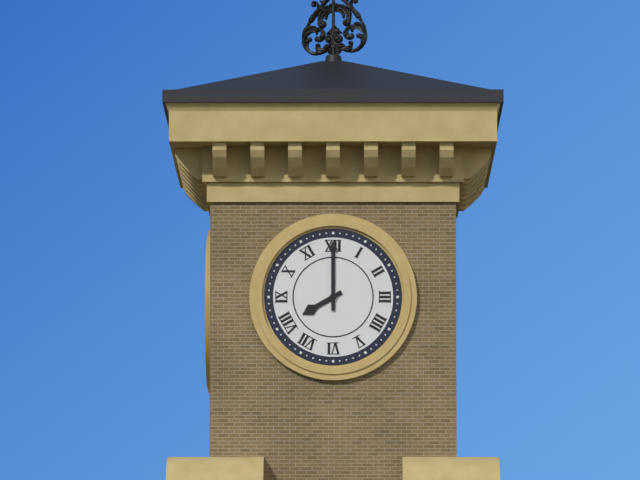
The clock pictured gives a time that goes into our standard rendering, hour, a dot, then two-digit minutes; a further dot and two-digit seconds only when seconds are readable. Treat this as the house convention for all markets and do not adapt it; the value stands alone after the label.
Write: 8.00
